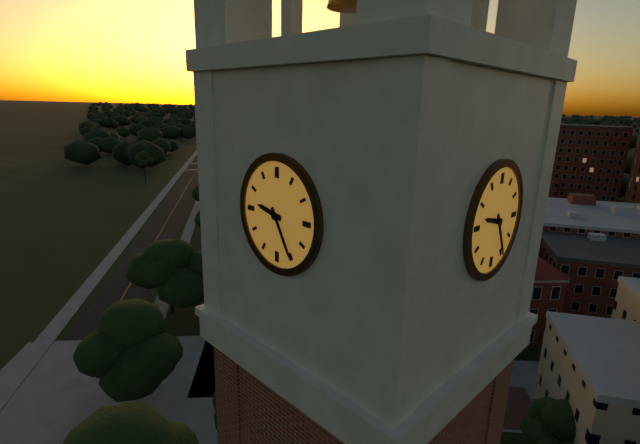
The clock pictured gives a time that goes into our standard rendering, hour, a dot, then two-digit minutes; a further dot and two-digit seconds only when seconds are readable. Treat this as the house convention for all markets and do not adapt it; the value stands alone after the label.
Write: 9.25
